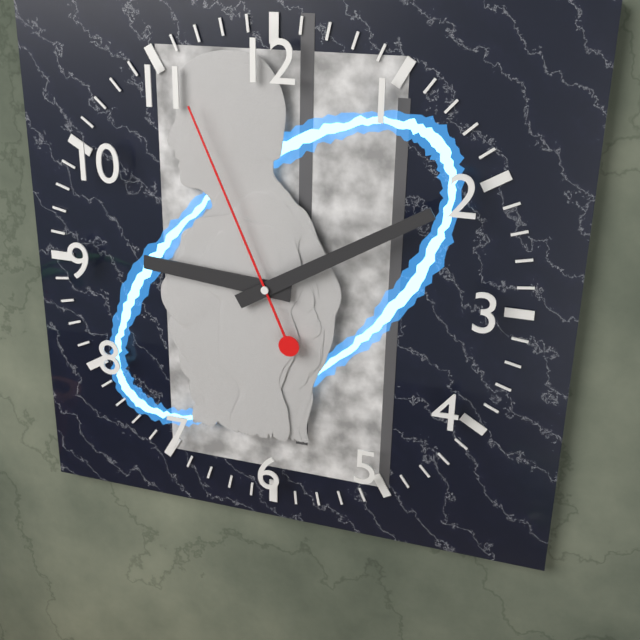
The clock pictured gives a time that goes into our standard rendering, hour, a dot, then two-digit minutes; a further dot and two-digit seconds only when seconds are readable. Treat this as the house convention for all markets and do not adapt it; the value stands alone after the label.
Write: 9.10.56
